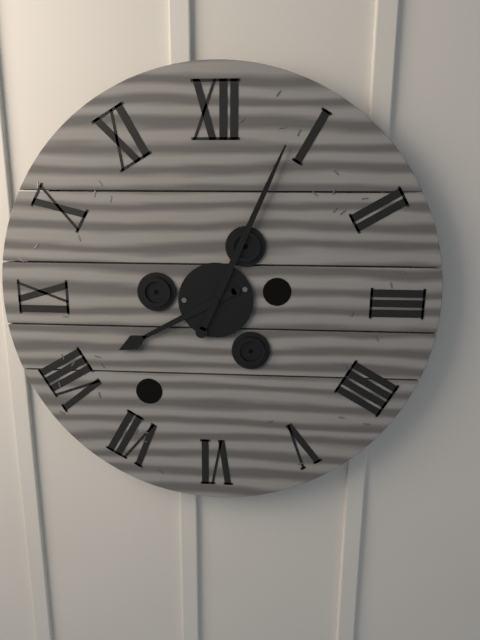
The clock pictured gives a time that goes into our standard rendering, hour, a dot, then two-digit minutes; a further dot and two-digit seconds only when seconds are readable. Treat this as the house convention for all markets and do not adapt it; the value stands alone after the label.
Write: 8.04
